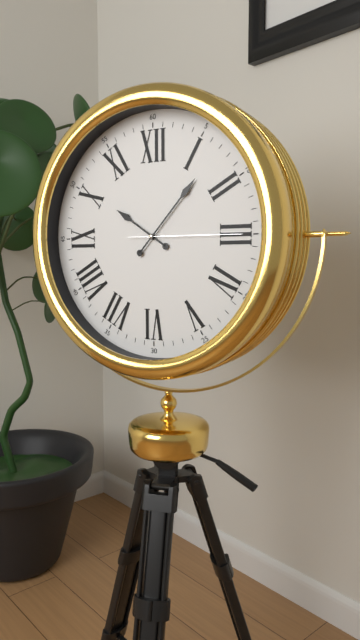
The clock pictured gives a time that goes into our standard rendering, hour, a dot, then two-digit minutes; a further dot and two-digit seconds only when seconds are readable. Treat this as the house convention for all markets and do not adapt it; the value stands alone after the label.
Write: 10.07.15
